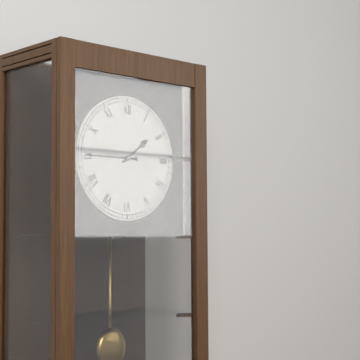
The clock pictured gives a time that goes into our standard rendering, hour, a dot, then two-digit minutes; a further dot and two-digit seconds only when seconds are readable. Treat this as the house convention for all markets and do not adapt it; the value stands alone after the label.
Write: 1.45
